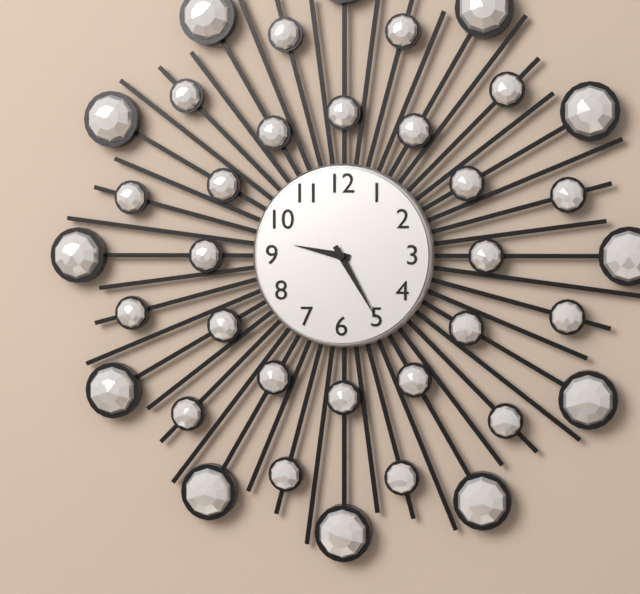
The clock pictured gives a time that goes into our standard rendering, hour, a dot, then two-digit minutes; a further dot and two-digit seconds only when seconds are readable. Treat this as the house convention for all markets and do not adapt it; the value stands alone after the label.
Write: 9.25
